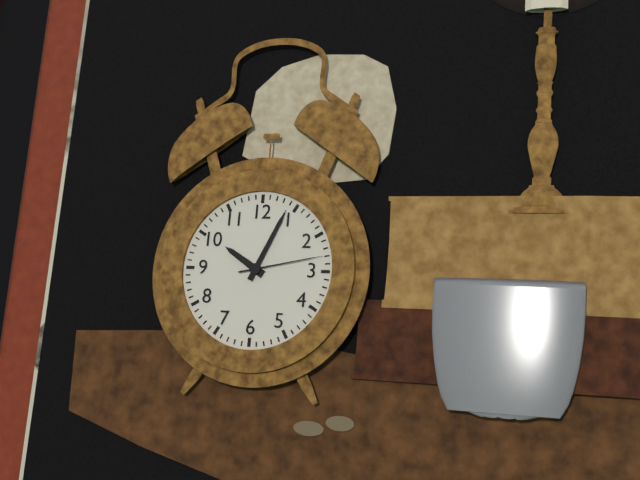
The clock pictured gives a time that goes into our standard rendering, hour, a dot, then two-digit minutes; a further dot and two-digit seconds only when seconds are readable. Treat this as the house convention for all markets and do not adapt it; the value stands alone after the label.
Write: 10.04.13
